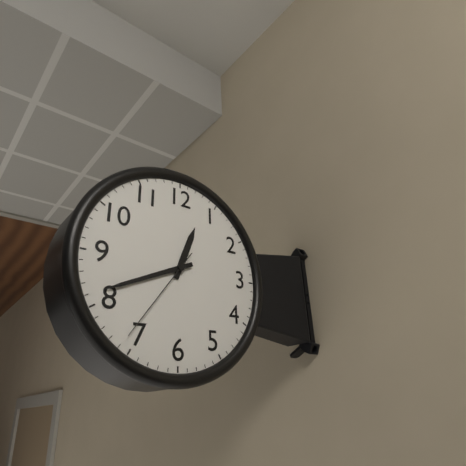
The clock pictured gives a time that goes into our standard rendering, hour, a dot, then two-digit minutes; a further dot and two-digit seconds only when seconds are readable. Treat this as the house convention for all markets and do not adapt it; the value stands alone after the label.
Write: 12.41.36
